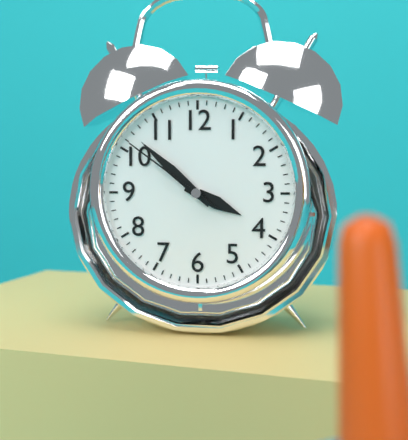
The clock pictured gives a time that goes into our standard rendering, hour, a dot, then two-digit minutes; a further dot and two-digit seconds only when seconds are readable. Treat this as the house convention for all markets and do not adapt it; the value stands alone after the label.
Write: 3.52.51
